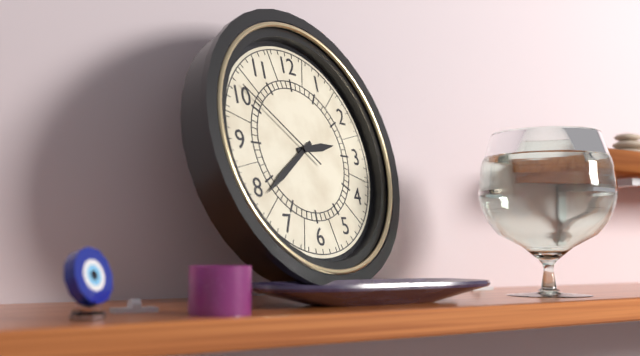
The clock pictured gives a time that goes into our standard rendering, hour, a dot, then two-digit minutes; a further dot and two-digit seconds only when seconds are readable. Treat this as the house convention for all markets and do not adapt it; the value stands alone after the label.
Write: 2.39.51
